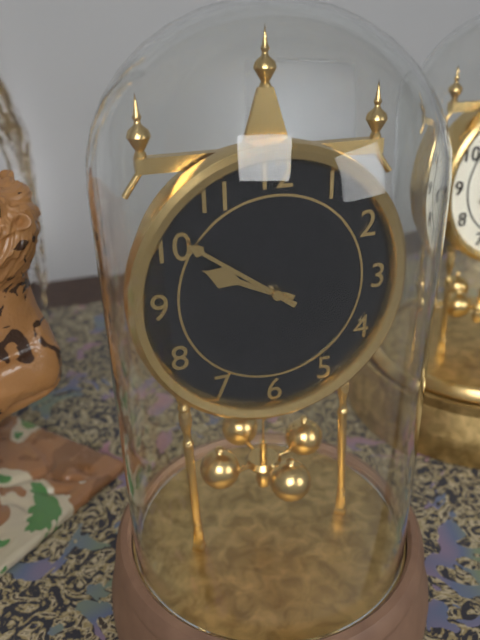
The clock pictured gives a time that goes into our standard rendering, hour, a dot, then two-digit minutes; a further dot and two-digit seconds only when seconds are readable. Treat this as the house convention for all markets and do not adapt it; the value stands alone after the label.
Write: 9.51
